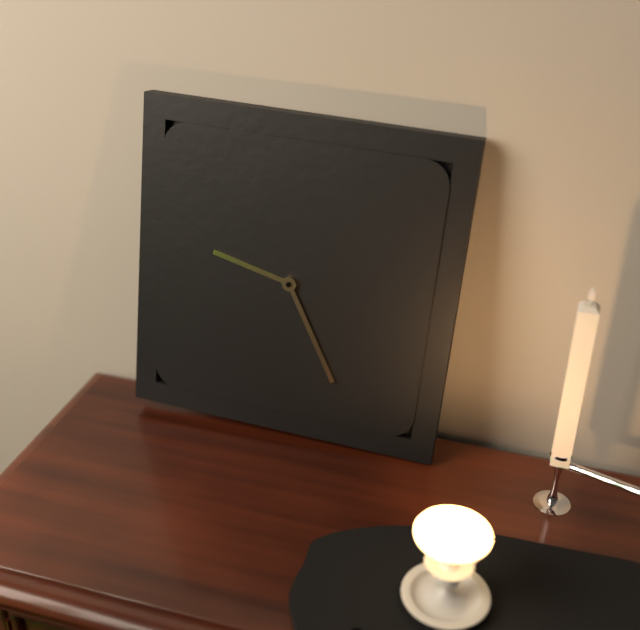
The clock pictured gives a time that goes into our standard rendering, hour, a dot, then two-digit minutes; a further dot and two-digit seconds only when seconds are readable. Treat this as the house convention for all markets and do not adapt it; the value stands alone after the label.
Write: 9.25
